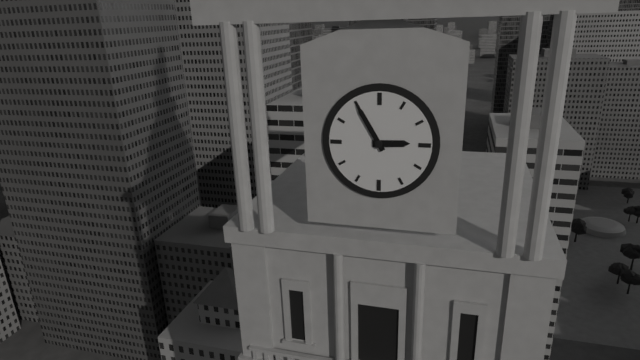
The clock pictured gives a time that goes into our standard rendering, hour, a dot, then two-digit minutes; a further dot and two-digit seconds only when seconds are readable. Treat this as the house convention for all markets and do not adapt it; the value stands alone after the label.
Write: 2.55
